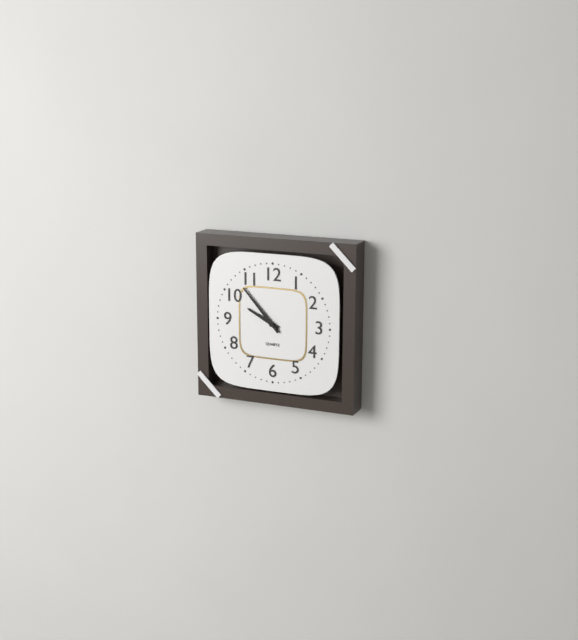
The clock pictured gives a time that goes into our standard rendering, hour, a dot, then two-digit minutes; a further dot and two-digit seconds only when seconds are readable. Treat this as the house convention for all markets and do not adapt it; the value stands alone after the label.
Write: 9.53
